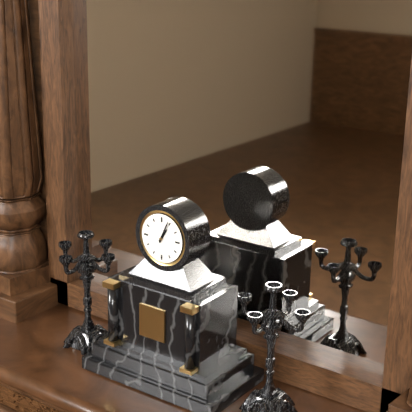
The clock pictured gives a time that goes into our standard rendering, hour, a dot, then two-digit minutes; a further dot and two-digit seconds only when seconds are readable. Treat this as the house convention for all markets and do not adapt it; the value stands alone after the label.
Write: 1.04
